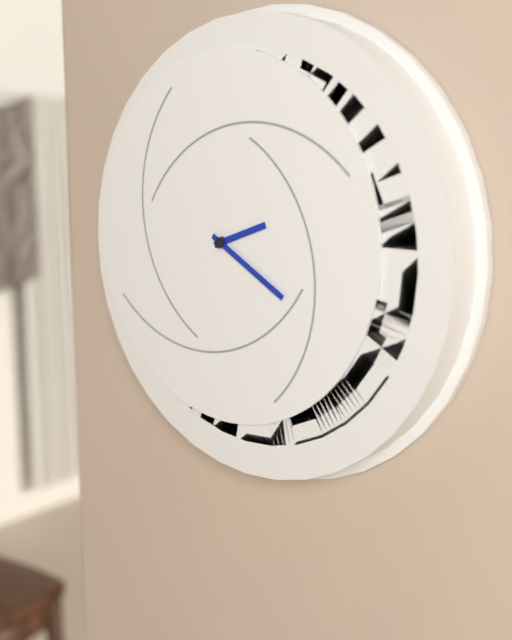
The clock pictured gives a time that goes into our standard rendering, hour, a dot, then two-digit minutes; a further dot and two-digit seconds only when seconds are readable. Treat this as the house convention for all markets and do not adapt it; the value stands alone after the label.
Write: 2.20
